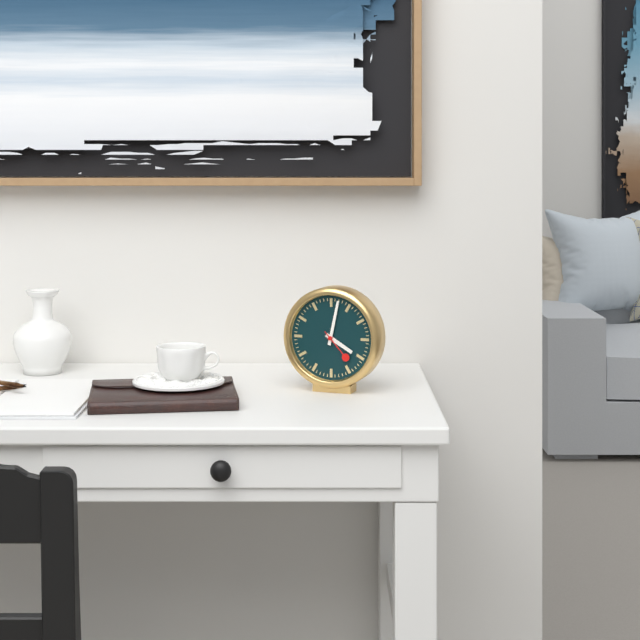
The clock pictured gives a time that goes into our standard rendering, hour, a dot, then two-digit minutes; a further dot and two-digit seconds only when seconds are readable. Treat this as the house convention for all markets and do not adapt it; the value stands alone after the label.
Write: 4.02
